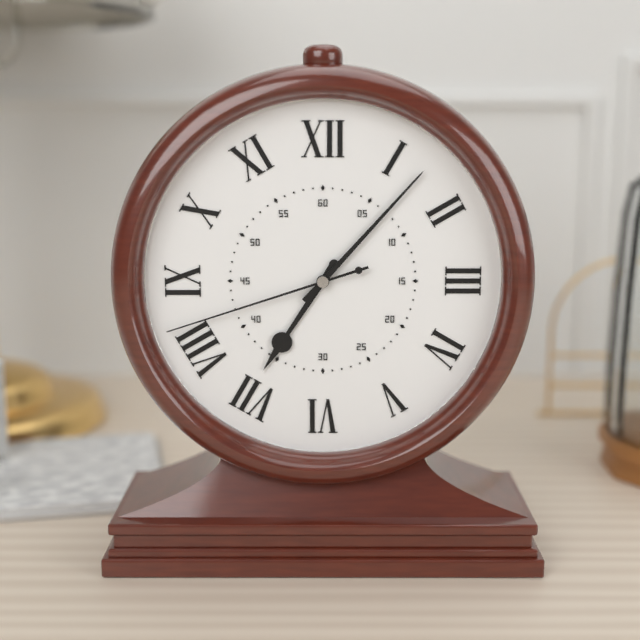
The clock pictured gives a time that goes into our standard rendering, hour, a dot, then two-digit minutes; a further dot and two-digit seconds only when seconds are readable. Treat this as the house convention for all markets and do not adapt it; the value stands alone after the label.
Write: 7.07.42
